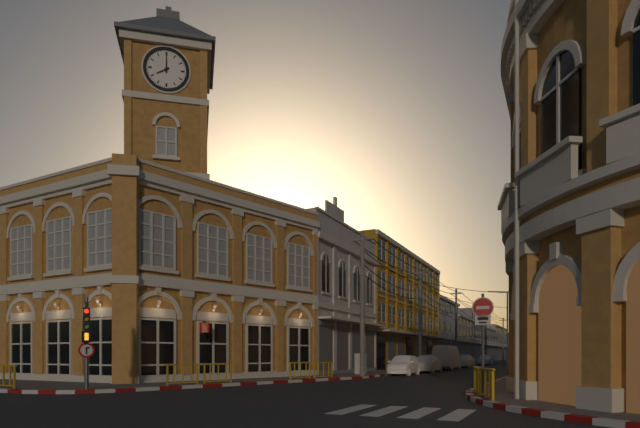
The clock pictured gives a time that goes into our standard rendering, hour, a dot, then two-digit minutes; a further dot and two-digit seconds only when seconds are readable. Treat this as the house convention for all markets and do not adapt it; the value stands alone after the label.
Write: 8.00
